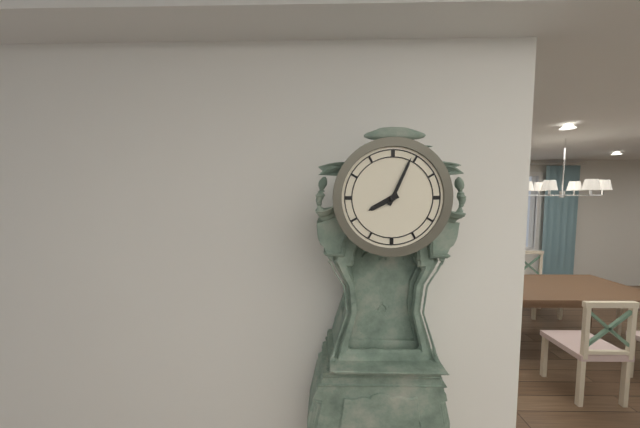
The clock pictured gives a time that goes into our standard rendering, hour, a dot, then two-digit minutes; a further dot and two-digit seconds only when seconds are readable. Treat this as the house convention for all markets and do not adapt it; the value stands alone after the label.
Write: 8.04
